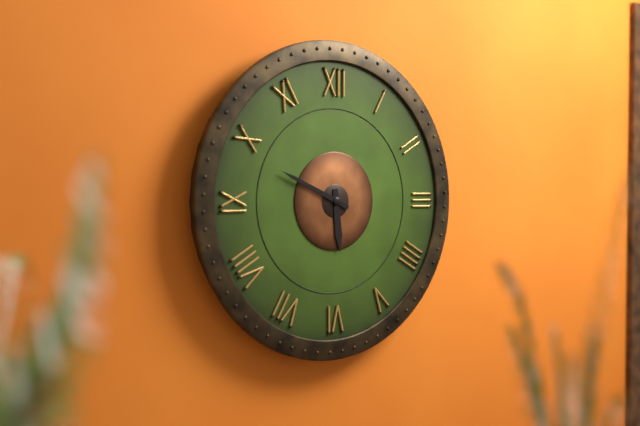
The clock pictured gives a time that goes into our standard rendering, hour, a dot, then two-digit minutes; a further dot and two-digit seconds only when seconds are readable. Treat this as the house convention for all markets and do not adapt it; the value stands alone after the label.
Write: 5.49
